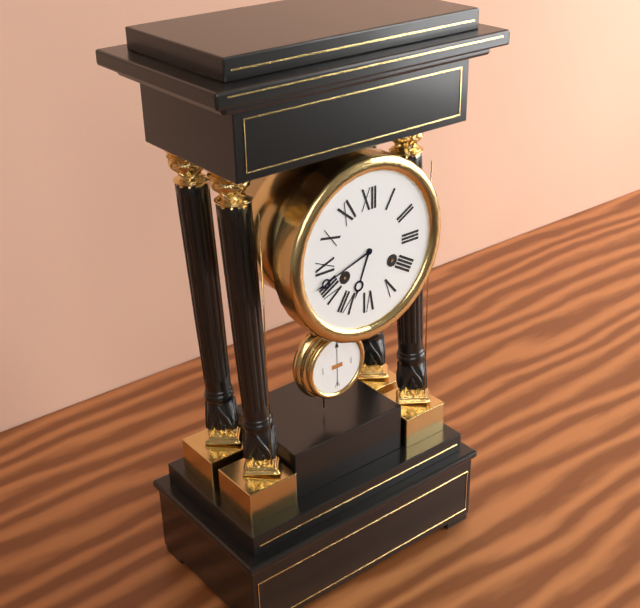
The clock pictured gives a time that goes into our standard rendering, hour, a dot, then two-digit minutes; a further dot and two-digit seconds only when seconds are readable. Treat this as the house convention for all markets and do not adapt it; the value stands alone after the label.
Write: 6.42
